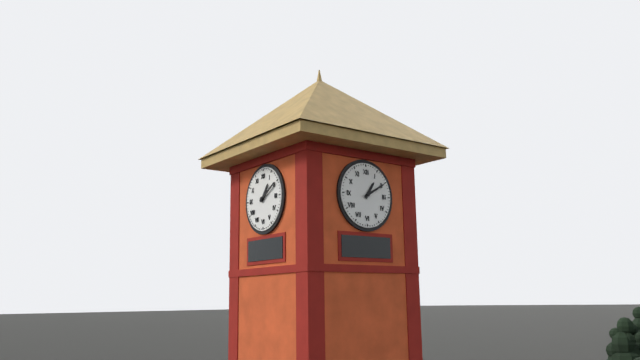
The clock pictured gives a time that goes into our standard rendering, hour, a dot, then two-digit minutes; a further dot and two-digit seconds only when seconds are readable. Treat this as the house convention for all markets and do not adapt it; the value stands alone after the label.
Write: 1.10
